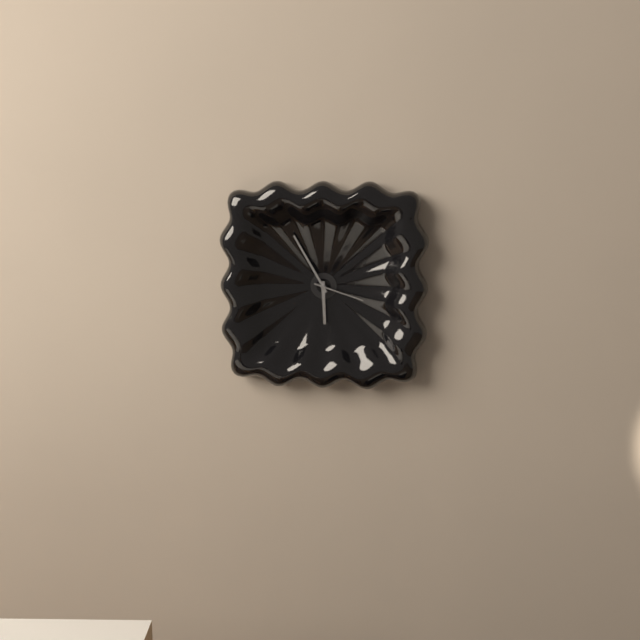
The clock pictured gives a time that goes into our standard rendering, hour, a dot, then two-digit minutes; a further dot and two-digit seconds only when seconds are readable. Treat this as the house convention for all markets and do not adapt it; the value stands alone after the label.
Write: 5.55.18
